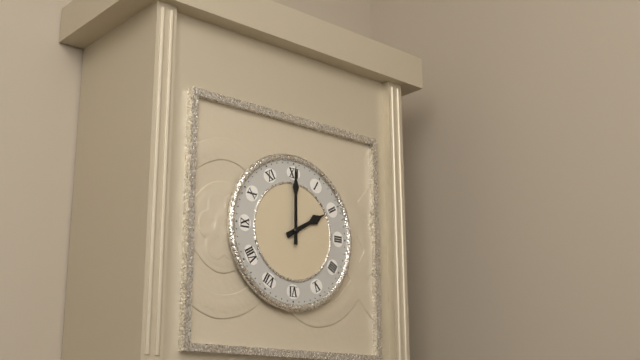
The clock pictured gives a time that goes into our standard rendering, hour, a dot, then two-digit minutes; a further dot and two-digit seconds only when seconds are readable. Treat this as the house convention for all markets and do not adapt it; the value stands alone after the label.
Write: 2.00
